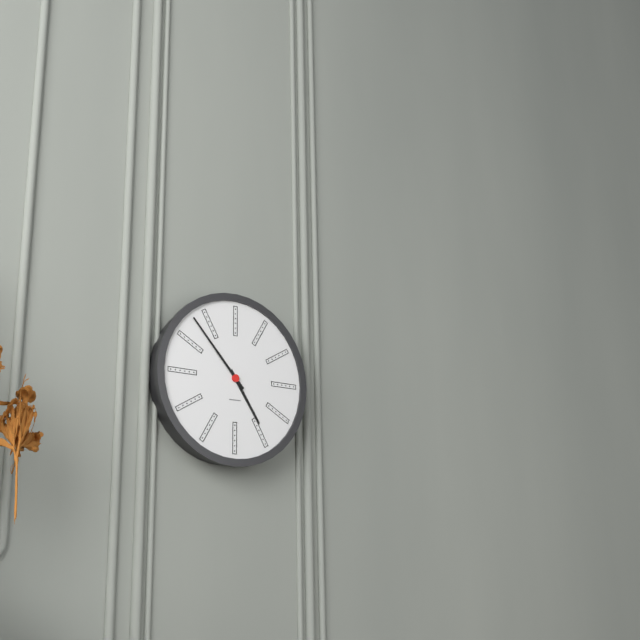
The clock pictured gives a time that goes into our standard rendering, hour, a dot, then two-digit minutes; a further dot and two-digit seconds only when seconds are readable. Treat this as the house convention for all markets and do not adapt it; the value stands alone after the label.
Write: 4.53
